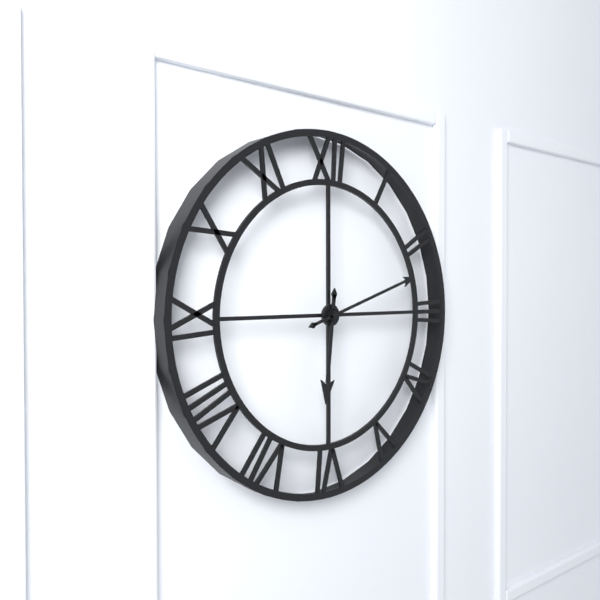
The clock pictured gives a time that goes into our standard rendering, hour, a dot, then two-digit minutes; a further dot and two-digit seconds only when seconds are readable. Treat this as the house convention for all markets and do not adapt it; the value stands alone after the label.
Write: 6.12
